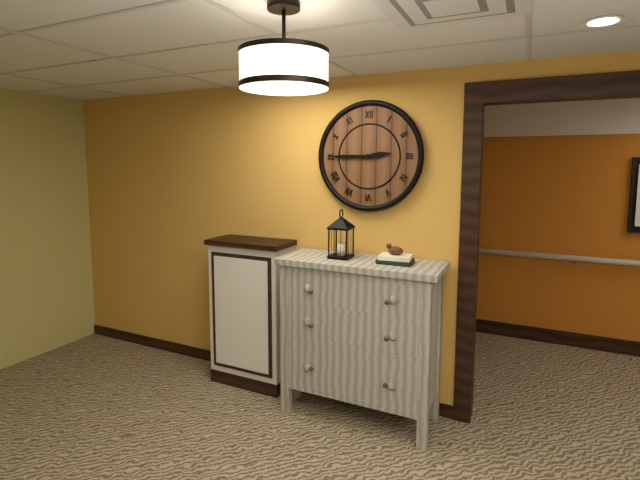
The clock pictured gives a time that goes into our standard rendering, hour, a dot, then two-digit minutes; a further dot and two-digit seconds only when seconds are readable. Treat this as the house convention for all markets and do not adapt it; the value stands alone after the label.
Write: 2.45
